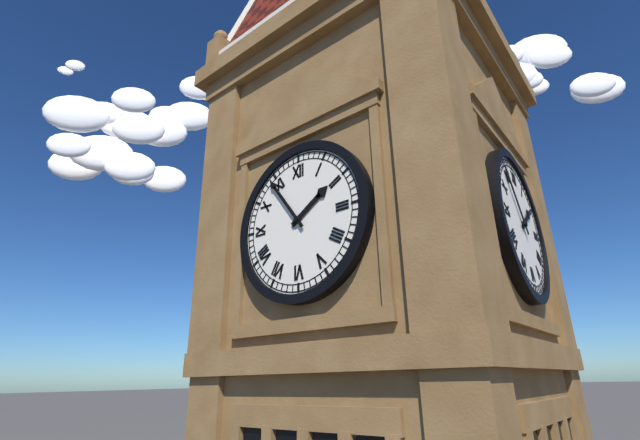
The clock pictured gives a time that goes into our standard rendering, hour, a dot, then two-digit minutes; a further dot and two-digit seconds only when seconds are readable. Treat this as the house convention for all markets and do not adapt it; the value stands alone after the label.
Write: 1.54
